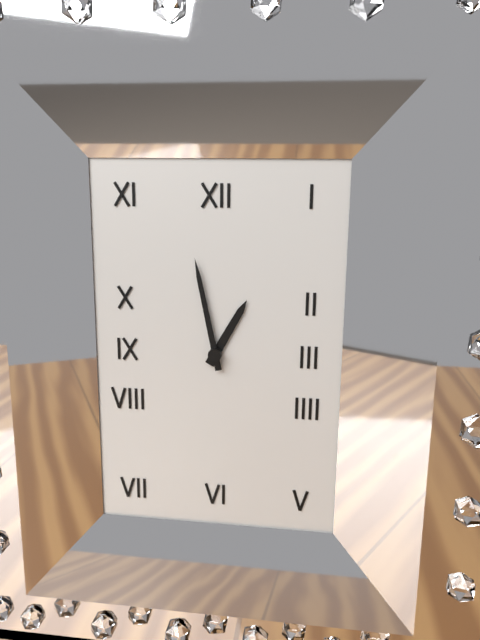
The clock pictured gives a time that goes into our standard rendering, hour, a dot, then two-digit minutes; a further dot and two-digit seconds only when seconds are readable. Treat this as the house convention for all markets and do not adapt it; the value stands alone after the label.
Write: 12.58
